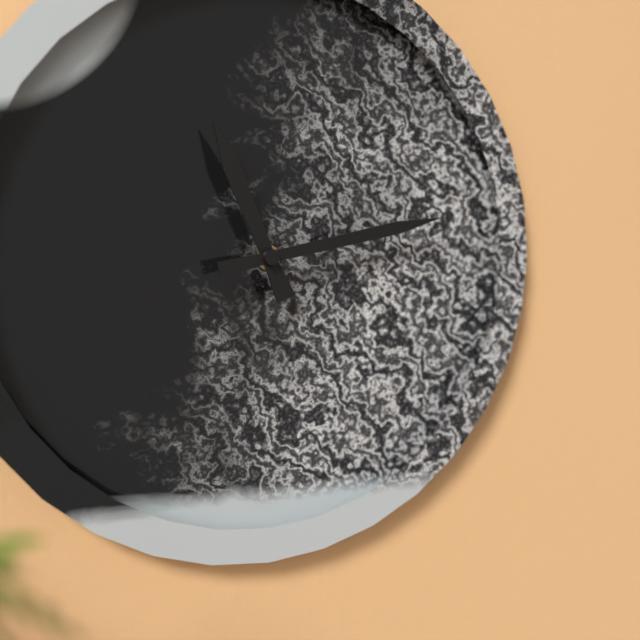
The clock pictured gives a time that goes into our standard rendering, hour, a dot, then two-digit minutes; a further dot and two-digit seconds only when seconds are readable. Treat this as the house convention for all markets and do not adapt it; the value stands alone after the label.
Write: 11.13
